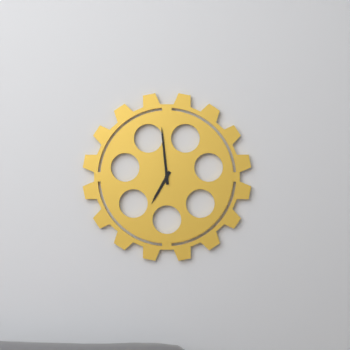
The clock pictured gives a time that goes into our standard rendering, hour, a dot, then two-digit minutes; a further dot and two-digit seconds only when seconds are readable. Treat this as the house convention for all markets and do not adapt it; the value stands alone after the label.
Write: 6.59
